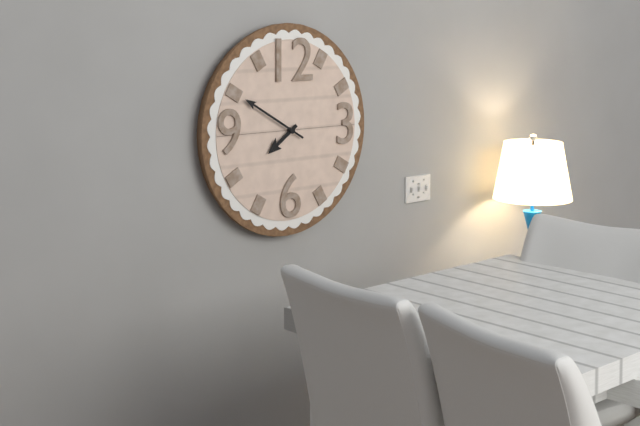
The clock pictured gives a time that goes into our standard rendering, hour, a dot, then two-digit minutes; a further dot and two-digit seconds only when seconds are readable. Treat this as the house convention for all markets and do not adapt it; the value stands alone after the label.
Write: 7.50
